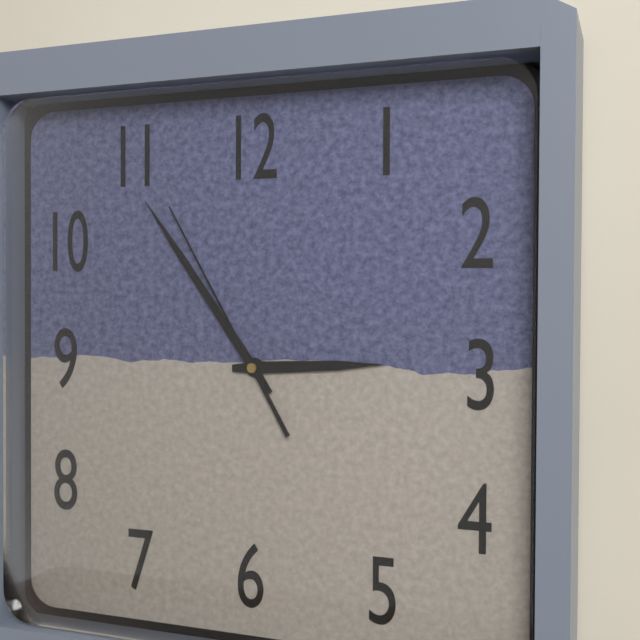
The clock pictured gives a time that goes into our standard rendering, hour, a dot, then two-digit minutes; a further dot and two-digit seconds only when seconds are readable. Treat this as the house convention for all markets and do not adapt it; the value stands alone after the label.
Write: 2.54.55
